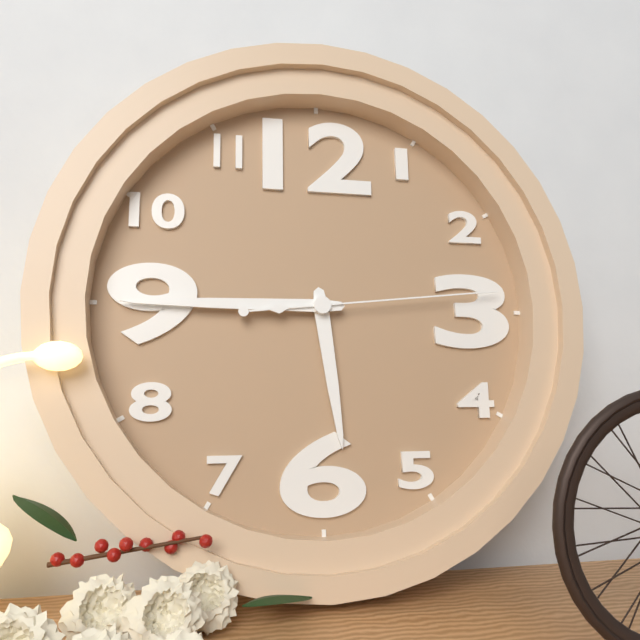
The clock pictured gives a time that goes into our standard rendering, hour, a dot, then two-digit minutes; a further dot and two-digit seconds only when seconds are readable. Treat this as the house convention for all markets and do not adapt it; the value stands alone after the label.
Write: 5.45.14
